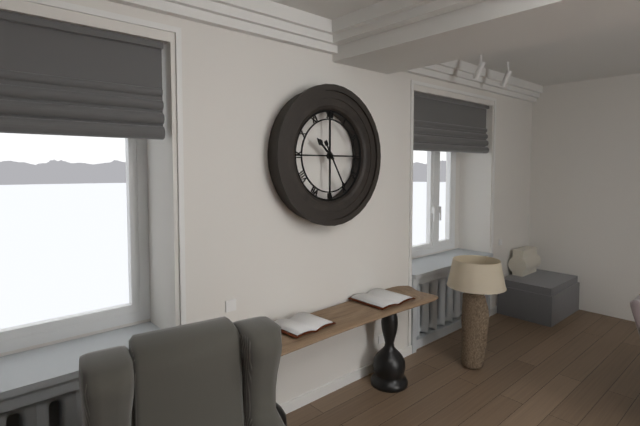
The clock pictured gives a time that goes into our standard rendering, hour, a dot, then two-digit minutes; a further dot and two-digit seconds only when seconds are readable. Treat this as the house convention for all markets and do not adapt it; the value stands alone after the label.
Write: 10.25
